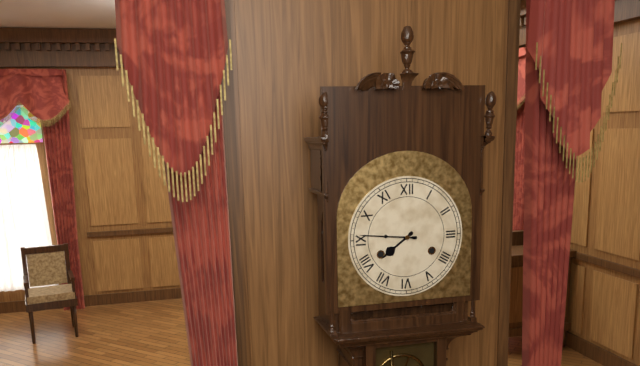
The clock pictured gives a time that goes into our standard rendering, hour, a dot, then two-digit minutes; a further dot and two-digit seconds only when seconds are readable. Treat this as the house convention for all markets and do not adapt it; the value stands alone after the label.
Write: 7.46
